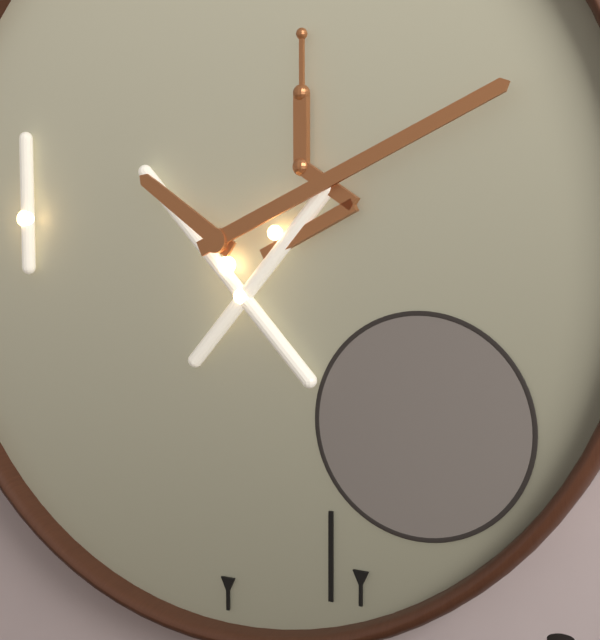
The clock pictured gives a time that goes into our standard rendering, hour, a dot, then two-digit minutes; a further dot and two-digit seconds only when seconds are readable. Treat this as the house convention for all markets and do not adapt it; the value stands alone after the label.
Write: 10.11
